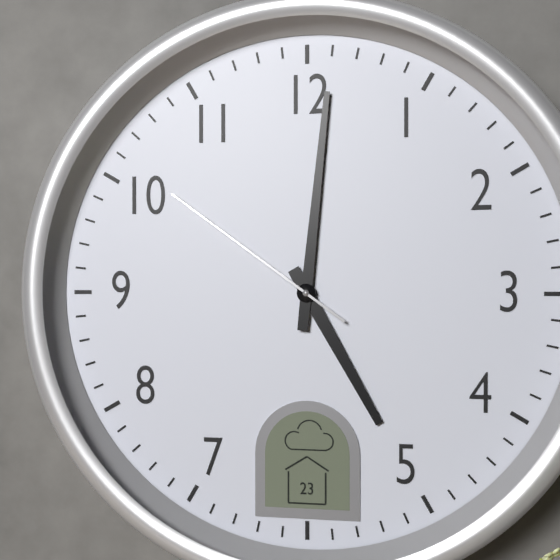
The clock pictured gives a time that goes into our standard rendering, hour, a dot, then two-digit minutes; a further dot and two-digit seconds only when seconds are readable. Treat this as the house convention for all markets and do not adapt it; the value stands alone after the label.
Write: 5.01.51
